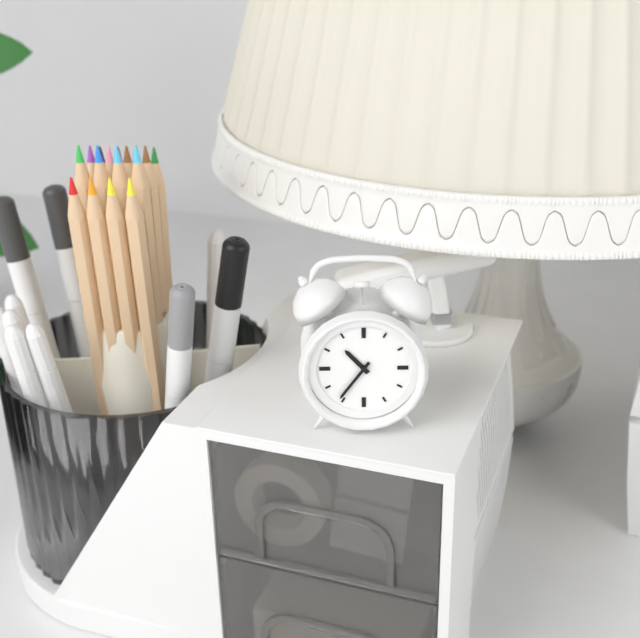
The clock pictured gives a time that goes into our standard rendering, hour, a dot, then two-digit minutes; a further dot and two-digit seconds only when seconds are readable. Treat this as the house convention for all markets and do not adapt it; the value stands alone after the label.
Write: 10.36
